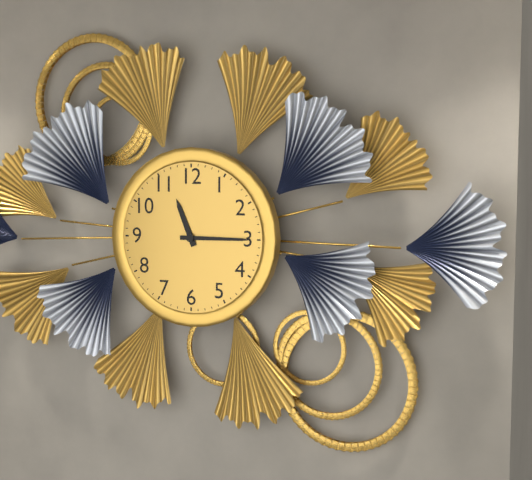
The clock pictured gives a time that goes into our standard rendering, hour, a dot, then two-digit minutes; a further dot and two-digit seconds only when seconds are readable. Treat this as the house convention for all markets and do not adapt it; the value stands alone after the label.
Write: 11.15
